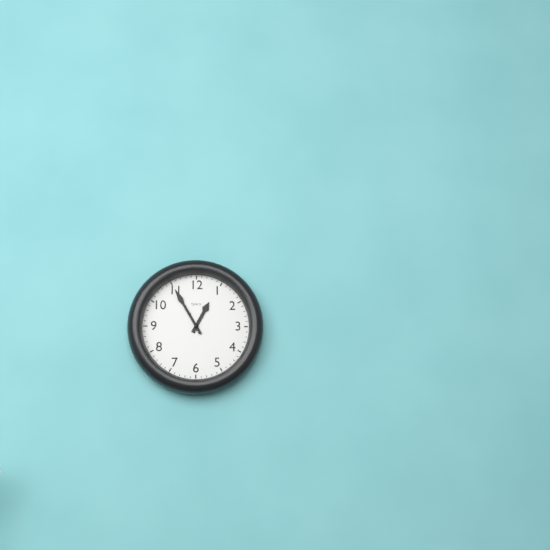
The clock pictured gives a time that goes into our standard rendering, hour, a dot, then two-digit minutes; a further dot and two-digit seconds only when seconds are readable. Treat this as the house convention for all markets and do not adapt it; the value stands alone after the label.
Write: 12.55
